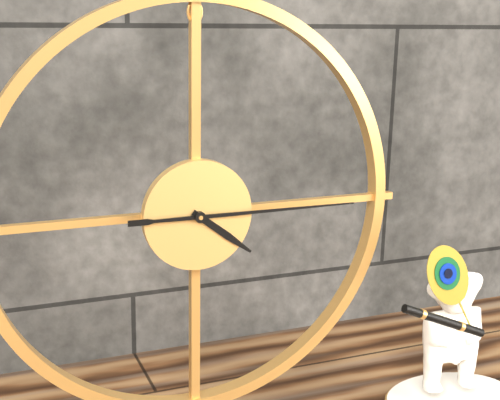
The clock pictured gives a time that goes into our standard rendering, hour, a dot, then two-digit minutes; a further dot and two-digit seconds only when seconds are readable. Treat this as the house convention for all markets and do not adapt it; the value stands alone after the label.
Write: 4.15
